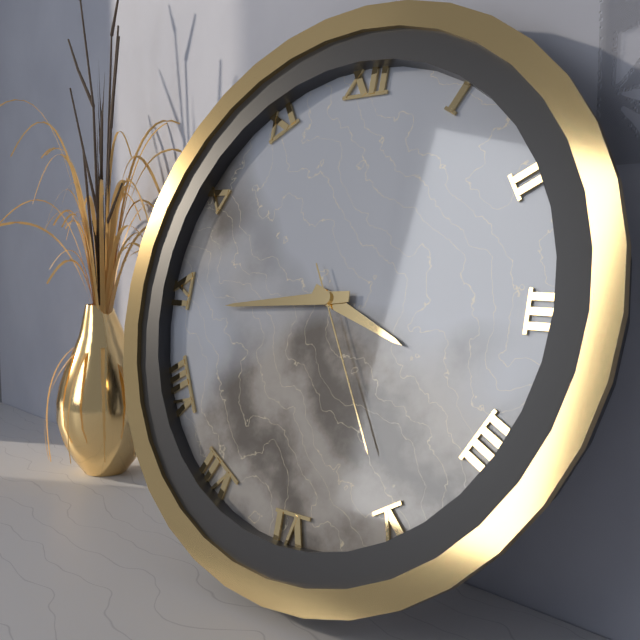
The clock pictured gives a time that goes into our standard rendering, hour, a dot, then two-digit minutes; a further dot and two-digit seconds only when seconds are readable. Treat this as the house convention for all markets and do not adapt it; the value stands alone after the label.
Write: 3.44.25
